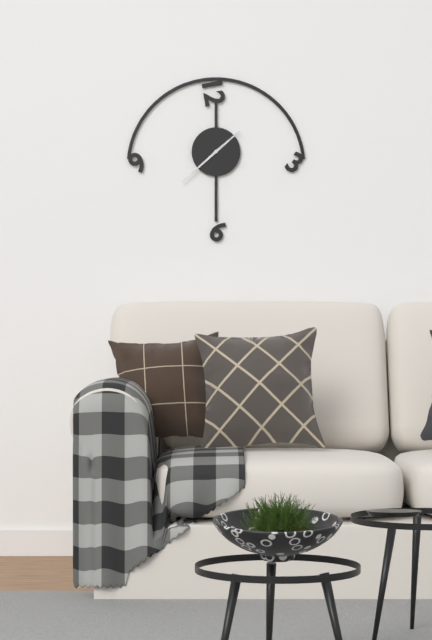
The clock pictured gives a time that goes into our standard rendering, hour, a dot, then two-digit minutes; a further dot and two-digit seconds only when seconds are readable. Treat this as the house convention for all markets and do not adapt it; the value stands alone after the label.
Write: 1.38
